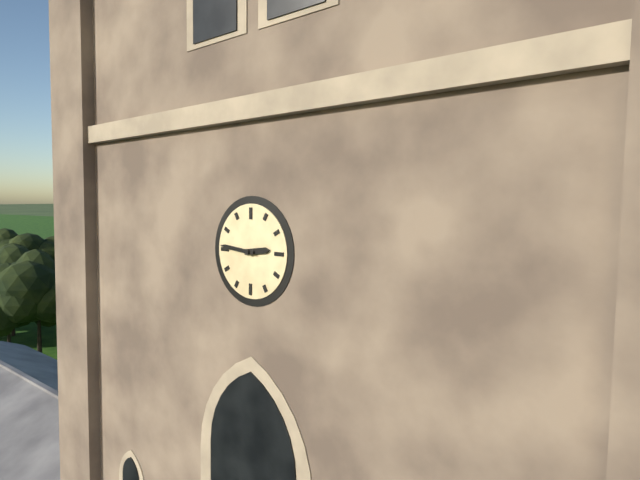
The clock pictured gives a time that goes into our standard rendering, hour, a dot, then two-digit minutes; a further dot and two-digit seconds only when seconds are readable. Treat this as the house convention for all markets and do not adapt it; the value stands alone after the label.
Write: 2.46
